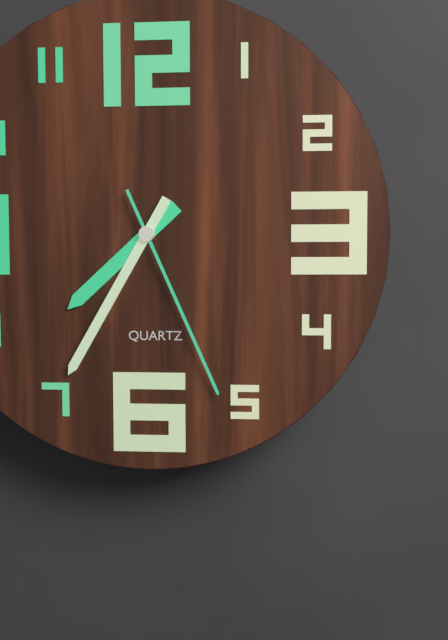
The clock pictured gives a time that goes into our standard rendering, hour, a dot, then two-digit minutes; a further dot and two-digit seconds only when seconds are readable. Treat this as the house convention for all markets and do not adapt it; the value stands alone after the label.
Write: 7.35.26
